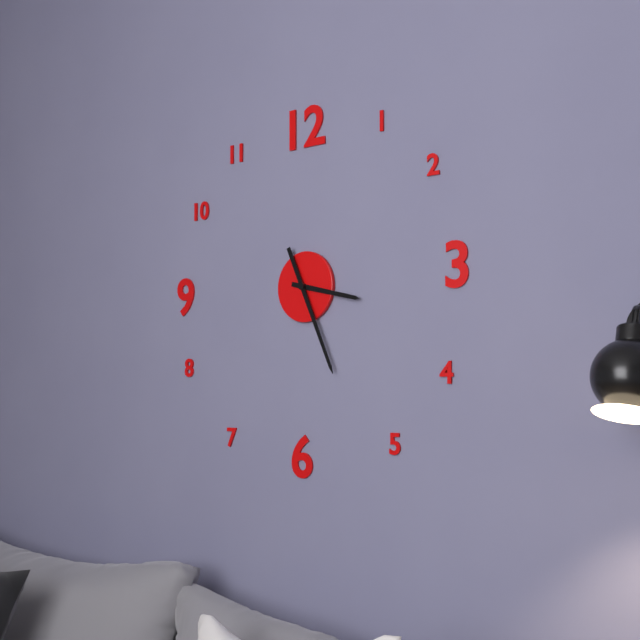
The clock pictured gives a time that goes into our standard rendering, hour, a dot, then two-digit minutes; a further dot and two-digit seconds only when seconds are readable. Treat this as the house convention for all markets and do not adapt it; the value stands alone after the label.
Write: 3.26
